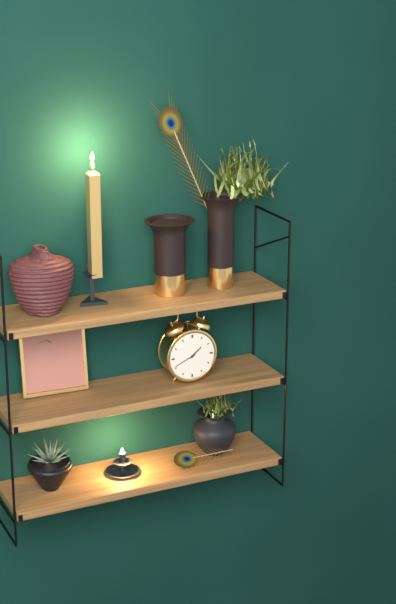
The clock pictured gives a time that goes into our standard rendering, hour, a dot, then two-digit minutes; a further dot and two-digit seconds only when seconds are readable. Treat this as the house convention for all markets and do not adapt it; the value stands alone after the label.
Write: 1.41
